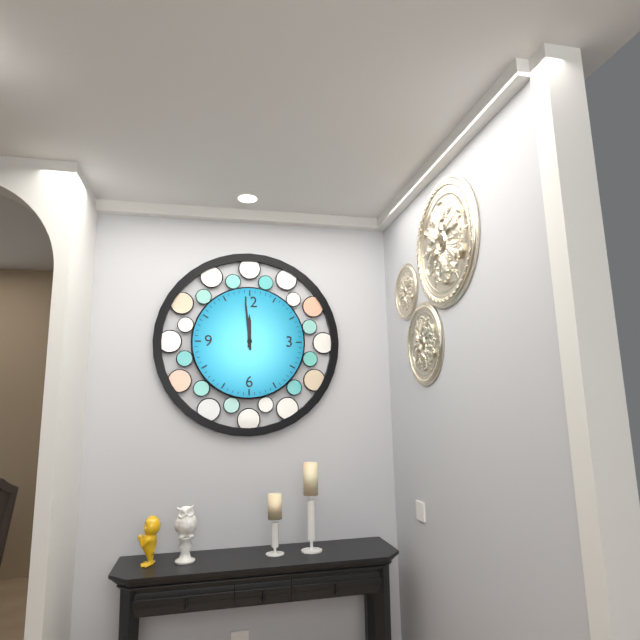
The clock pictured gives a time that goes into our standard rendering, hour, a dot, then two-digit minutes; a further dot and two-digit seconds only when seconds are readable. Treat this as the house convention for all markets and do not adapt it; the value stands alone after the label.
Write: 11.59
